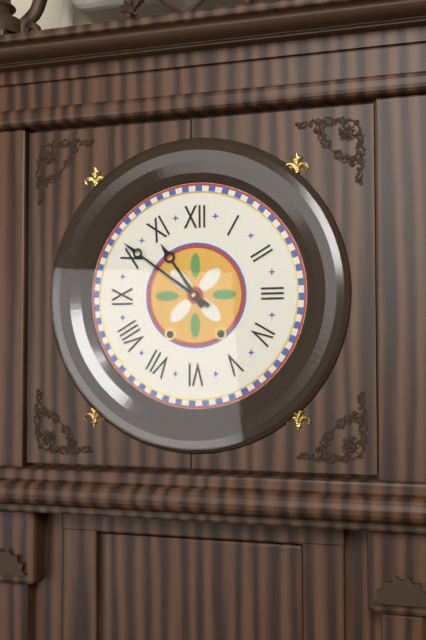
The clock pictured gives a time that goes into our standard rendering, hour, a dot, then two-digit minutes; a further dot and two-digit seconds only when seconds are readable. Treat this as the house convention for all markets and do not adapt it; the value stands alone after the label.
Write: 10.51
